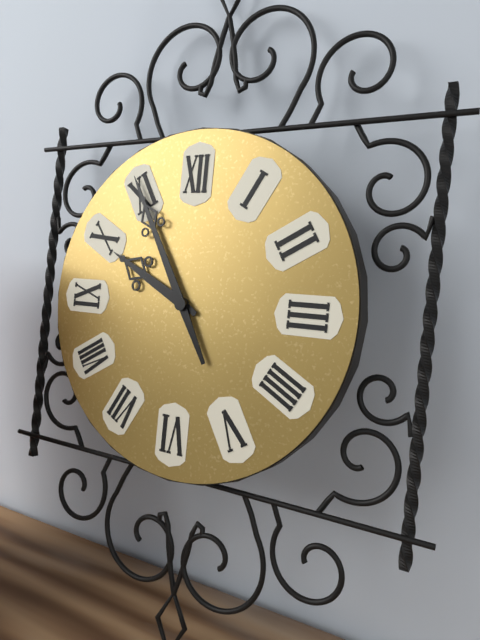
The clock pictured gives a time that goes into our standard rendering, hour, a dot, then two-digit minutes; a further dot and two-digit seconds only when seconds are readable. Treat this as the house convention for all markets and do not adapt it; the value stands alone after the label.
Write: 9.55
